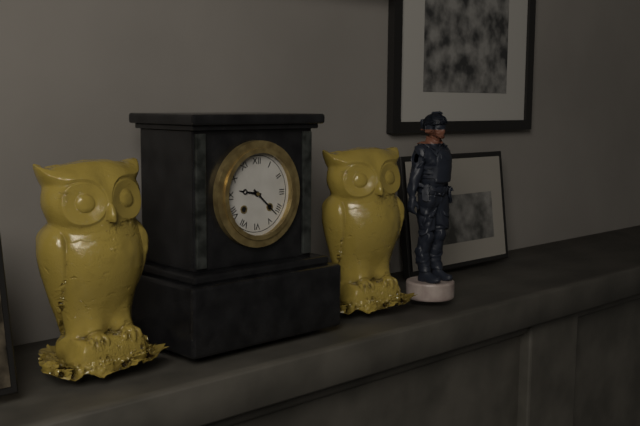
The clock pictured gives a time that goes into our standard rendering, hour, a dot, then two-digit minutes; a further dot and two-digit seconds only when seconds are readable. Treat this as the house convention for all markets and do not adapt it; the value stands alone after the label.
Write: 9.22
